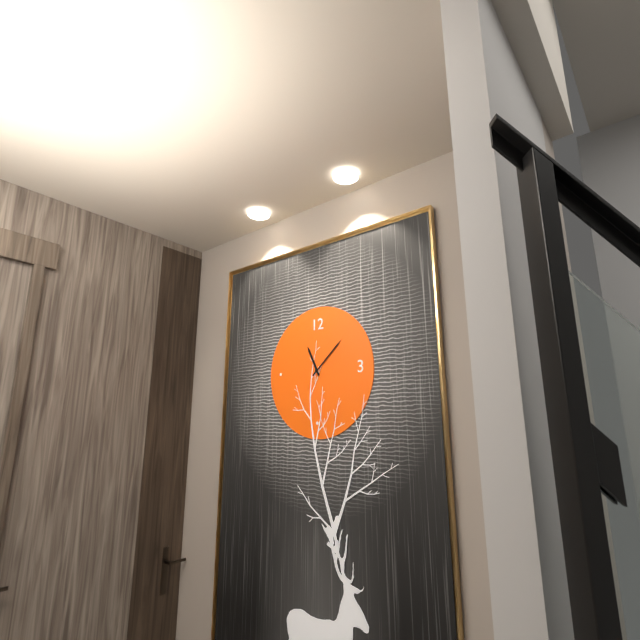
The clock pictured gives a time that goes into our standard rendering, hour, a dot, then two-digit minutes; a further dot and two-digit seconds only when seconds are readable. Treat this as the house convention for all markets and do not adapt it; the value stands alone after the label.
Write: 11.08
